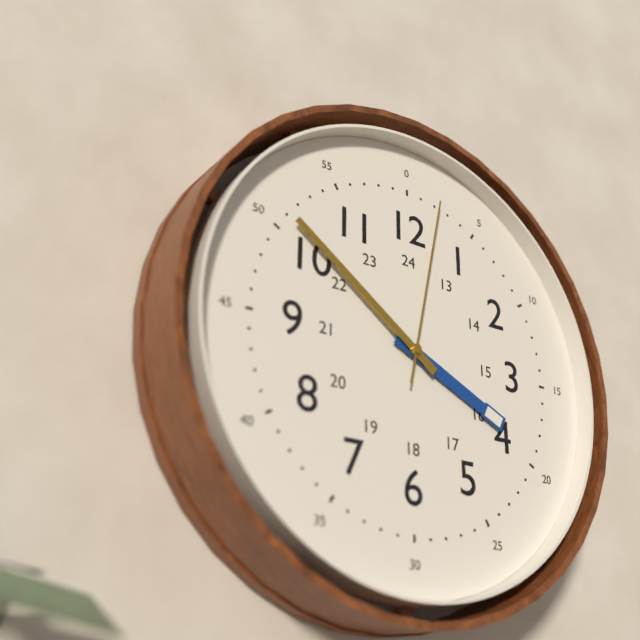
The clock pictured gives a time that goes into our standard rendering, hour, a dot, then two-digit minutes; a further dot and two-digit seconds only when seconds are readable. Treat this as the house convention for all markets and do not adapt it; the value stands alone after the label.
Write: 3.51.02
